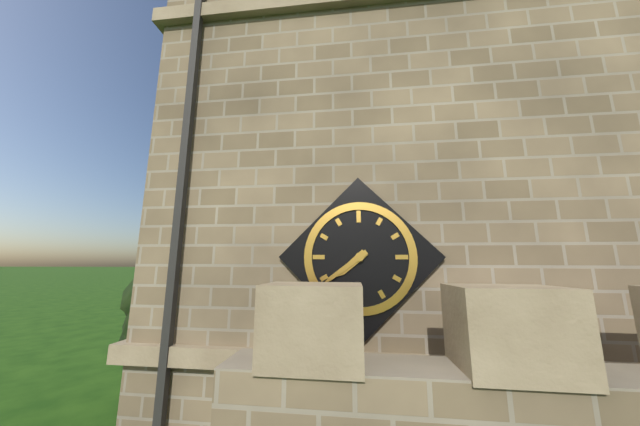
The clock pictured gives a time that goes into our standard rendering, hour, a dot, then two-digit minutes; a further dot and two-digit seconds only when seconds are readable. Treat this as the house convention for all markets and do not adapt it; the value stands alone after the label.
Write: 7.39
